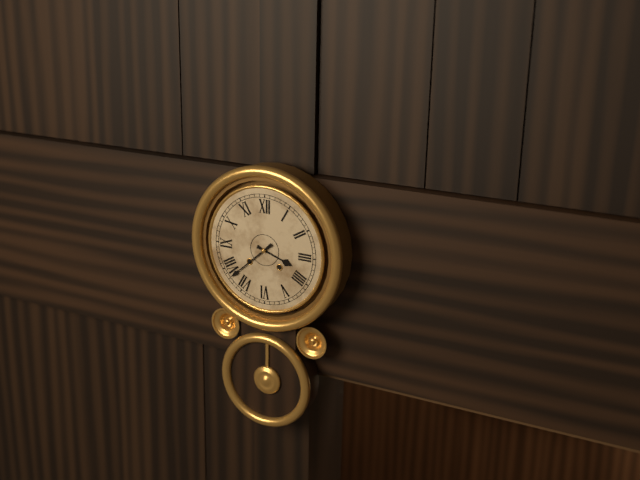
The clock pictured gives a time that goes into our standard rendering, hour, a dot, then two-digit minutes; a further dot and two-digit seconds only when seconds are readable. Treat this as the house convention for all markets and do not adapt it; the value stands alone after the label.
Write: 3.38
